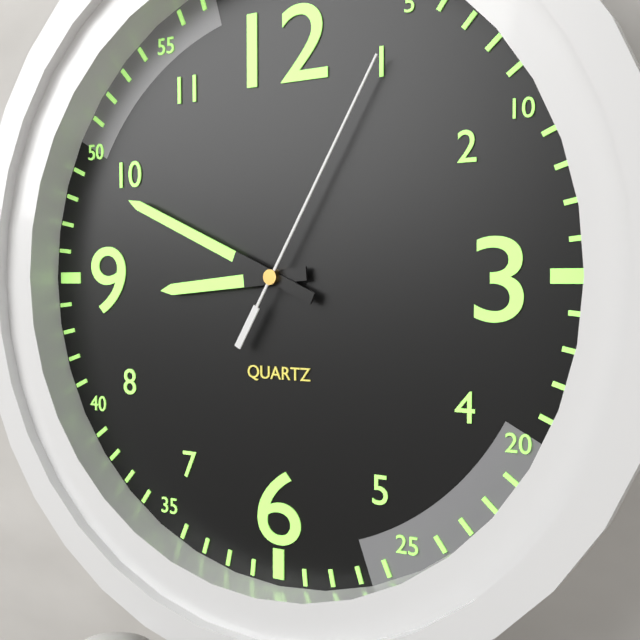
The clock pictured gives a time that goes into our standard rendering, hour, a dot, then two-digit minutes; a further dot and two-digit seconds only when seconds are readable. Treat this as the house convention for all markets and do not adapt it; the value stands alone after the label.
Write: 8.49.05
